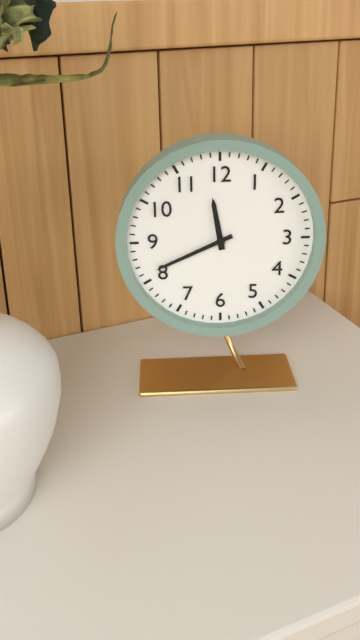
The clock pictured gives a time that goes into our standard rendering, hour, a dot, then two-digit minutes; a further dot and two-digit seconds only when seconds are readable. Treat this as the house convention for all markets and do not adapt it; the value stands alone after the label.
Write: 11.41
